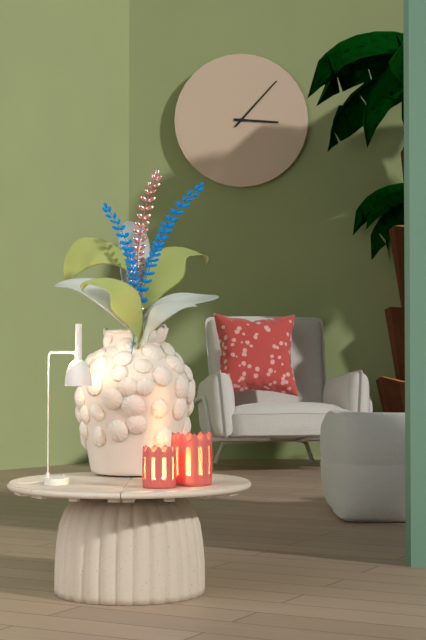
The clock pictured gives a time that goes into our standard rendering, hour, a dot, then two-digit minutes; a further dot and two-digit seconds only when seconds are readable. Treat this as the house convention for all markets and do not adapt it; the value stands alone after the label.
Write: 3.07
